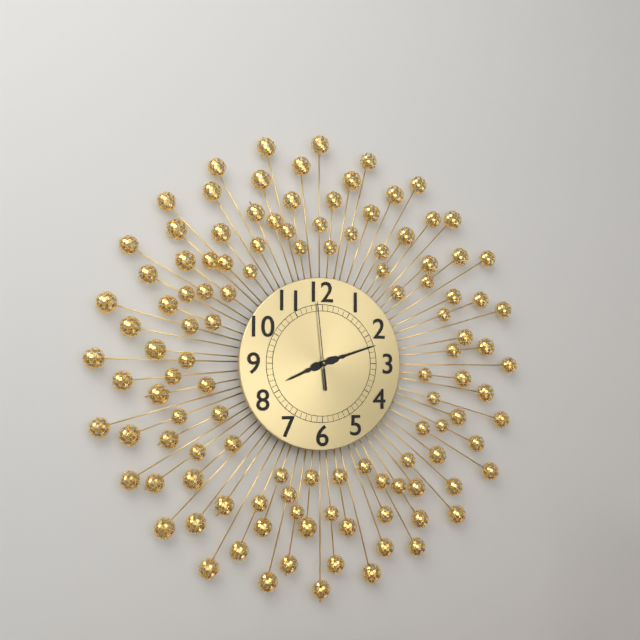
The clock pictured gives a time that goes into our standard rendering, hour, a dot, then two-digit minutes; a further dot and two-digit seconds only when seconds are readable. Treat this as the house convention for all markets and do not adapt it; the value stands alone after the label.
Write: 8.12.59
